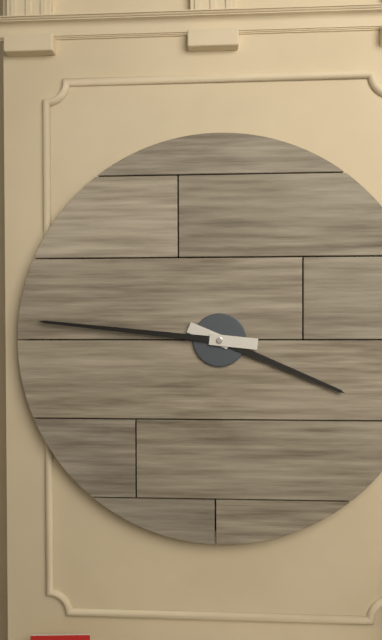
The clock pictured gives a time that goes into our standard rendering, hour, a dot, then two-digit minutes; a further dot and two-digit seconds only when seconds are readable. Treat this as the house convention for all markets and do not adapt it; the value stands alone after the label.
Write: 3.46
